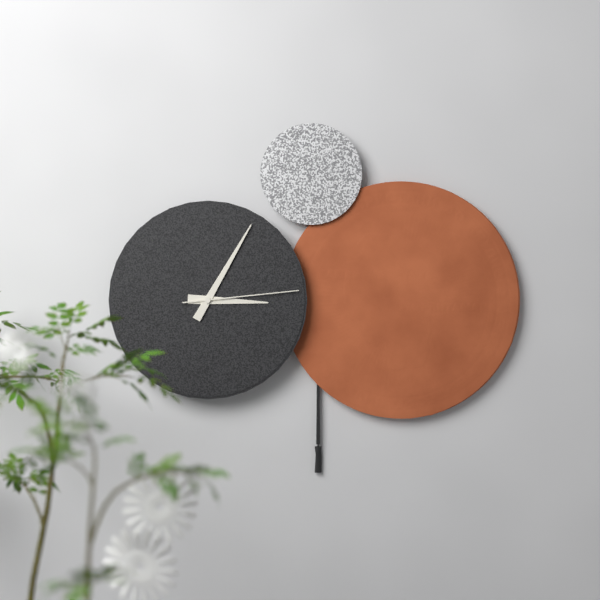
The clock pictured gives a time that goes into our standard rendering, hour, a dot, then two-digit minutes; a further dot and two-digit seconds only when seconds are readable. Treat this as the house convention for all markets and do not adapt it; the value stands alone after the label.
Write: 3.05.14
